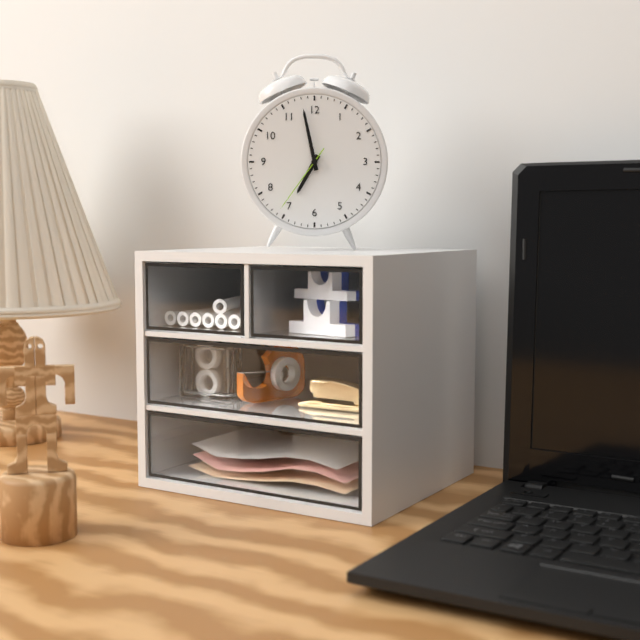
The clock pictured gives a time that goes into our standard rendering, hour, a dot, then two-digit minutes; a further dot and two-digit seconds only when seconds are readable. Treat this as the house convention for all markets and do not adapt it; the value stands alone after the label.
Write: 6.58.36
